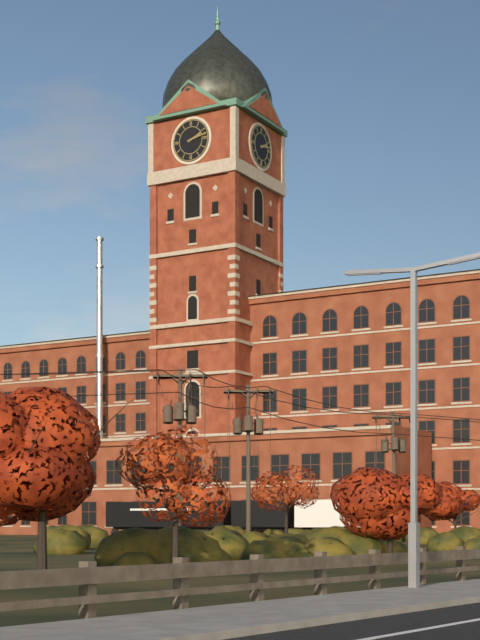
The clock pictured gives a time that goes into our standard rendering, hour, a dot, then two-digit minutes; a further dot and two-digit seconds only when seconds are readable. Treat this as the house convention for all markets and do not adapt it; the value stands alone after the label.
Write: 2.13
